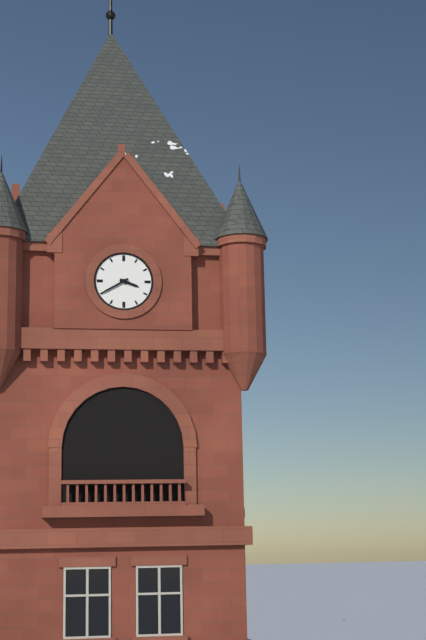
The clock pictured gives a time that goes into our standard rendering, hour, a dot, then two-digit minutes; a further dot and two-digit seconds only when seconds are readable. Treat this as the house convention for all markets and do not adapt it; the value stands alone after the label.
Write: 3.40
